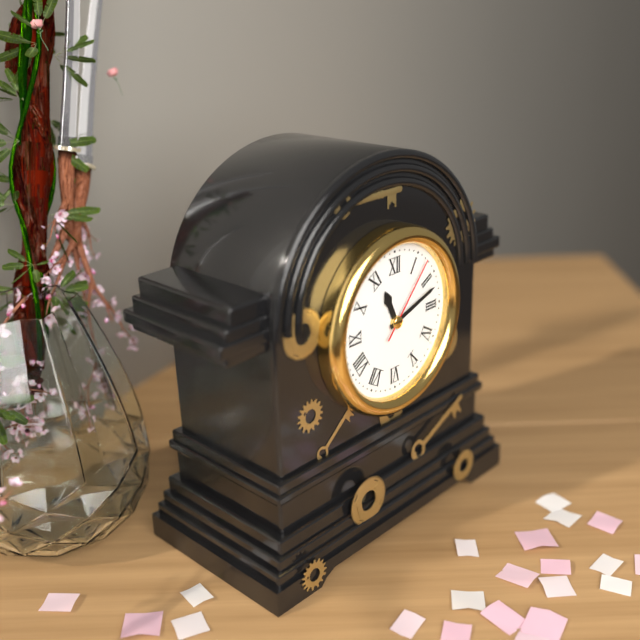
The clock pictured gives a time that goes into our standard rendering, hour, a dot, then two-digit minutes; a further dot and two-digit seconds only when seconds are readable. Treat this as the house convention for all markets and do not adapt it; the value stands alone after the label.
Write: 11.12.07
